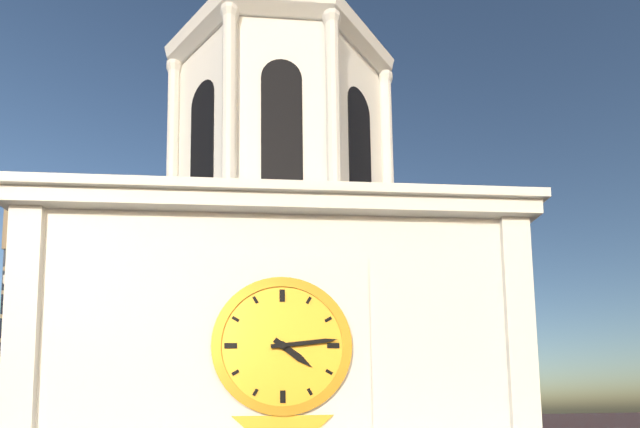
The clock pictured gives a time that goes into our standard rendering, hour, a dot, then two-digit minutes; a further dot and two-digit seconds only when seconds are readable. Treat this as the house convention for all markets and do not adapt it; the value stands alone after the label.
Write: 4.14
